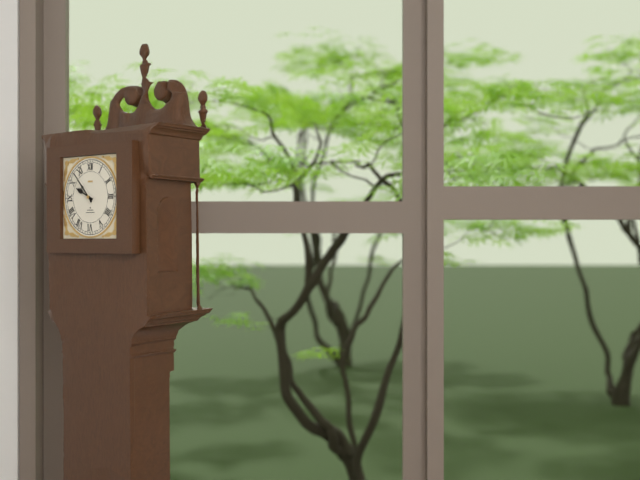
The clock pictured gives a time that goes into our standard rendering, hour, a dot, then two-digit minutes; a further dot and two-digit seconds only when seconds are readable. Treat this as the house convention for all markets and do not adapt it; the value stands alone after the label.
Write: 9.53
